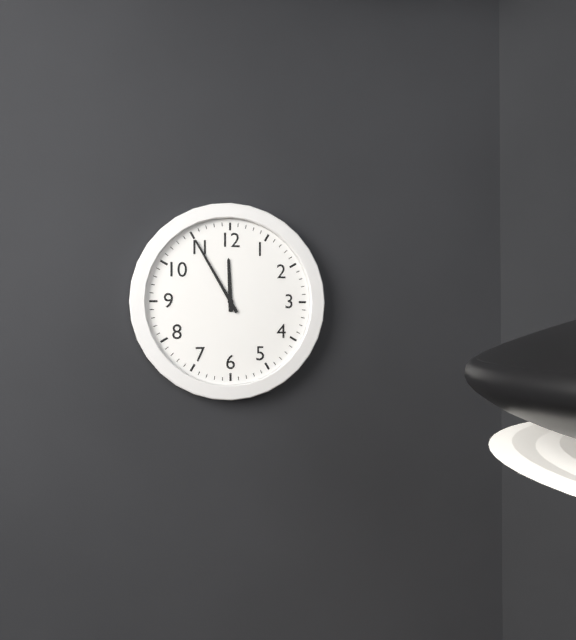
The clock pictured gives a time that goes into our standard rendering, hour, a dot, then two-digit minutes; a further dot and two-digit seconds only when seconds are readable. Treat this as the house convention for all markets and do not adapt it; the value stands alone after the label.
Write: 11.55
